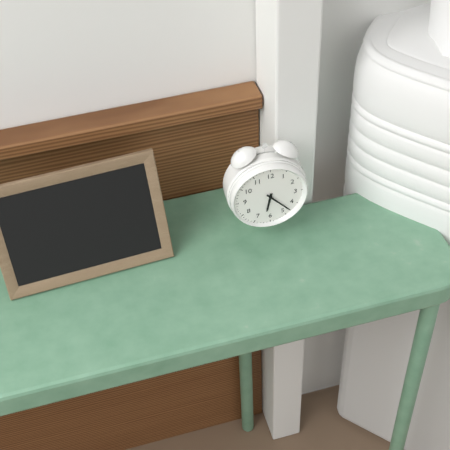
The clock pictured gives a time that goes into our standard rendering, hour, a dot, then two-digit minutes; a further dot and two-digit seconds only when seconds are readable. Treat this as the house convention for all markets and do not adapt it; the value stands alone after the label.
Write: 6.23
